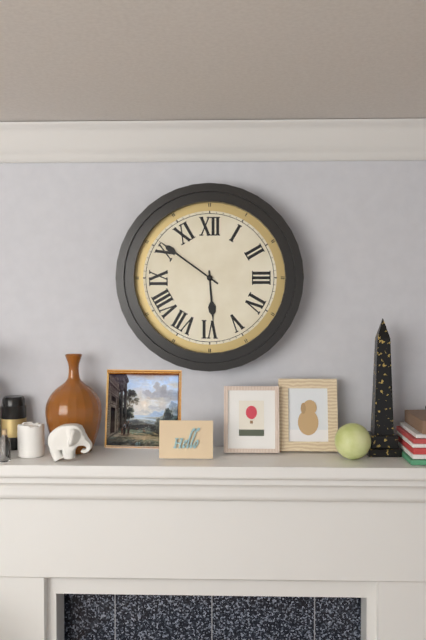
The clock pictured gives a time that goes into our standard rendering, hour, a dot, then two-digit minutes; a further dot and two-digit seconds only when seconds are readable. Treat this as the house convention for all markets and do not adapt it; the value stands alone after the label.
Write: 5.51
